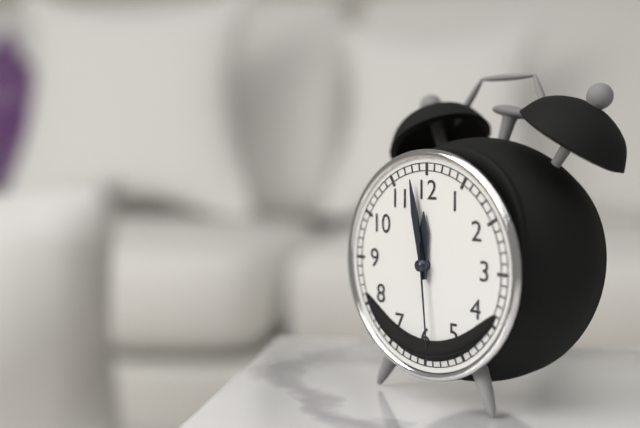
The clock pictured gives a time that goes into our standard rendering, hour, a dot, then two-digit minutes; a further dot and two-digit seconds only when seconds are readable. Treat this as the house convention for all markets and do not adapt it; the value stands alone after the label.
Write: 11.58.29
